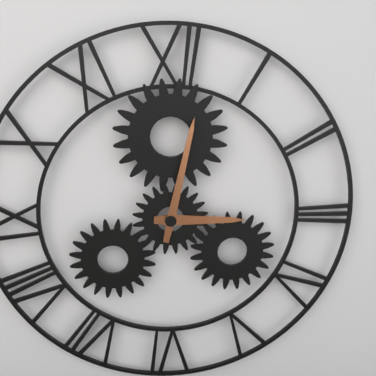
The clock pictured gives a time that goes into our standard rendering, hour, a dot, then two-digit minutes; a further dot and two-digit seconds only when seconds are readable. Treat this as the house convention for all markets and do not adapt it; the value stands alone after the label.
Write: 3.02
